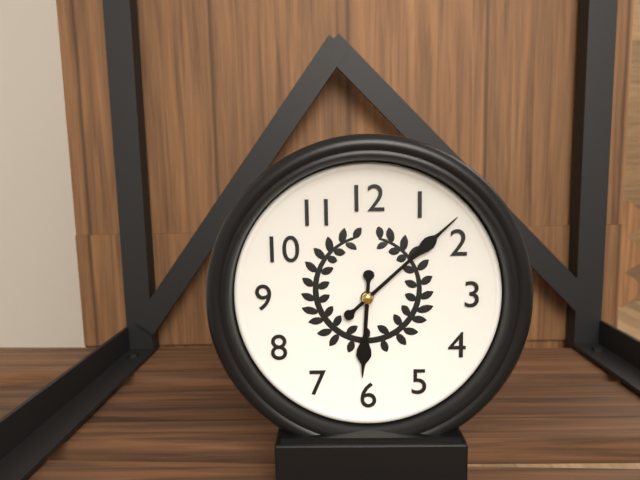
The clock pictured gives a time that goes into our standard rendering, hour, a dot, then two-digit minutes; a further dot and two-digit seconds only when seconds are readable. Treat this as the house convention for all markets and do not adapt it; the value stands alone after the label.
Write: 6.08
